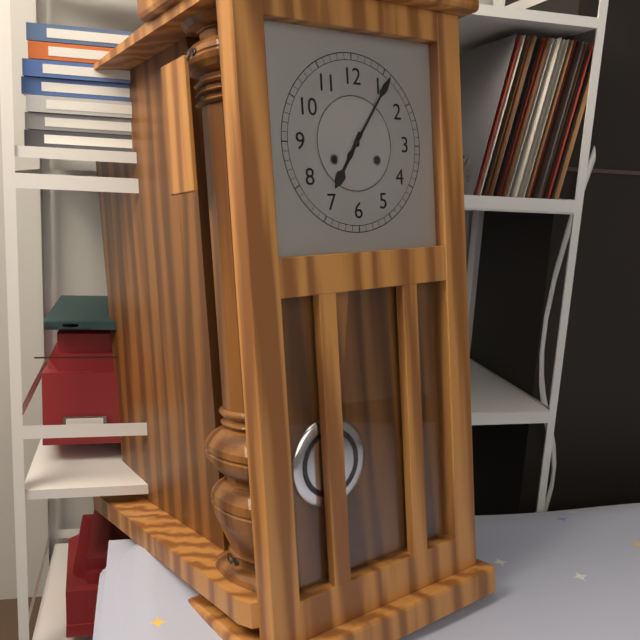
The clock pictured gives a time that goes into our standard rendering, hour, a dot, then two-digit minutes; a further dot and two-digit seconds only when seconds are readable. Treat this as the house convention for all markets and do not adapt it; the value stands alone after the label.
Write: 7.06
